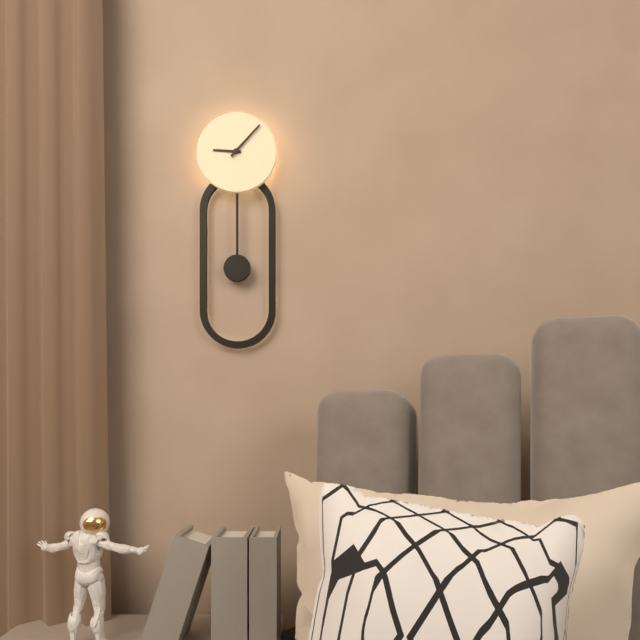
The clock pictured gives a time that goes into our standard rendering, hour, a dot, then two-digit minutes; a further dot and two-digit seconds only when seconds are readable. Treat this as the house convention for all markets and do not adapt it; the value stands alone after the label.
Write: 9.07
